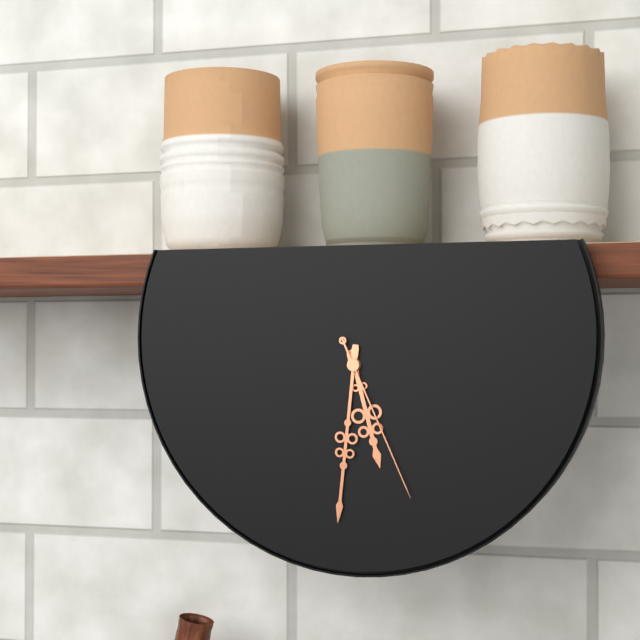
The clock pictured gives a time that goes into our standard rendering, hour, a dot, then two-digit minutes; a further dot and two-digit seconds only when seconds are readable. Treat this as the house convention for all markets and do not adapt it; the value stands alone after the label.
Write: 5.31.26
